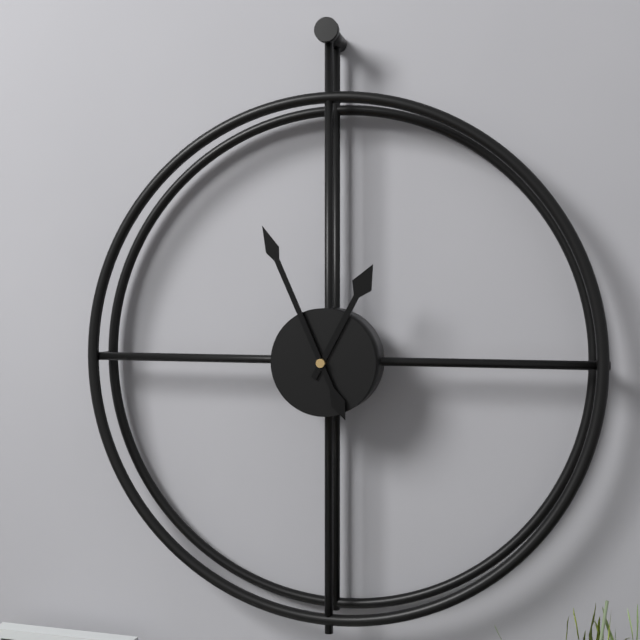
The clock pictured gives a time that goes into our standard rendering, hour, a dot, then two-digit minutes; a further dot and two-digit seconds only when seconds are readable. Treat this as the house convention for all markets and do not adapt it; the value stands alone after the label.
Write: 12.56
